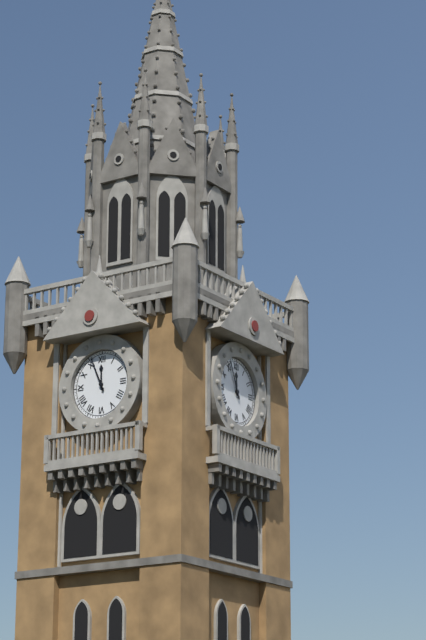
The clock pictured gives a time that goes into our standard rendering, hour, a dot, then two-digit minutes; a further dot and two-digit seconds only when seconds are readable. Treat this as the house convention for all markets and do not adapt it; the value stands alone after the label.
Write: 11.56
